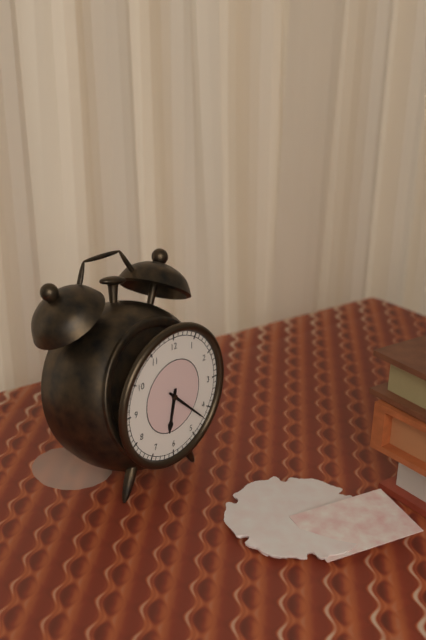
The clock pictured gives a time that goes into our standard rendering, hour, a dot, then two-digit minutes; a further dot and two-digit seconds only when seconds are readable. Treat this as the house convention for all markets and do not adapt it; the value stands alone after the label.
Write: 6.22
